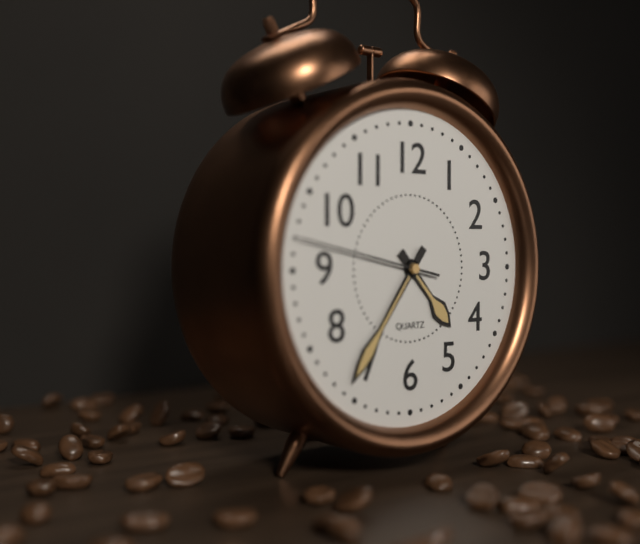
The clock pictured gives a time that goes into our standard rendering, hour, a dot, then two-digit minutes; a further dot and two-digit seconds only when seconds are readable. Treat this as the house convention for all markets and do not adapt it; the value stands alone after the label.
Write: 4.36.47
